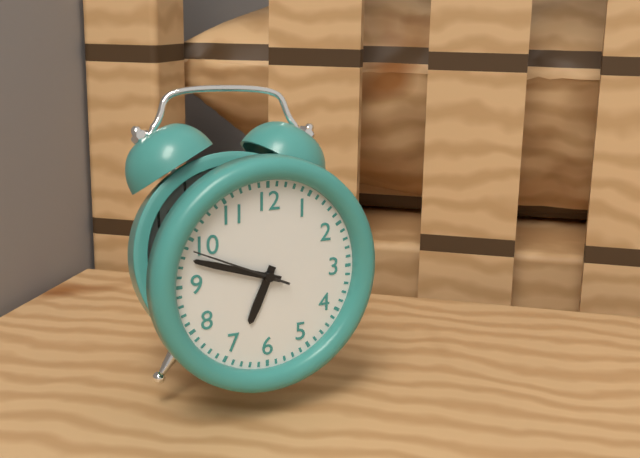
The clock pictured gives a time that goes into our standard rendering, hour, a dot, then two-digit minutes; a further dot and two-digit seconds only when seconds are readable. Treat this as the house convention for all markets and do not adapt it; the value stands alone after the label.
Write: 6.48.49
